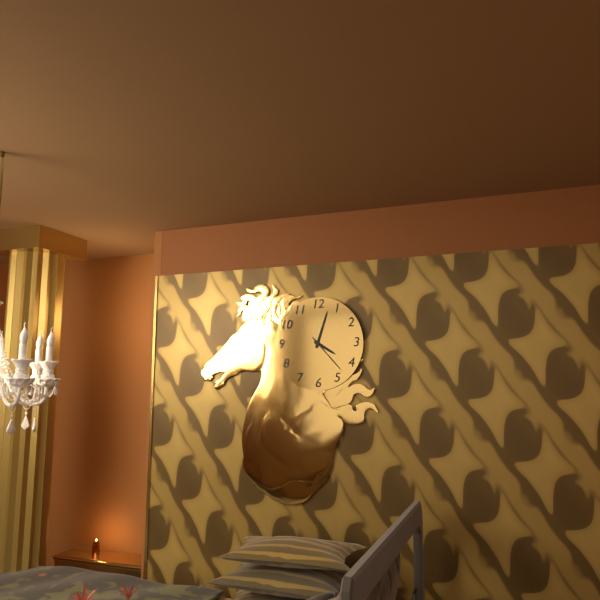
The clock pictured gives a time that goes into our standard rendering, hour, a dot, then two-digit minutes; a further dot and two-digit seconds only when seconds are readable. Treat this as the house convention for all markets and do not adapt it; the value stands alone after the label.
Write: 4.03
